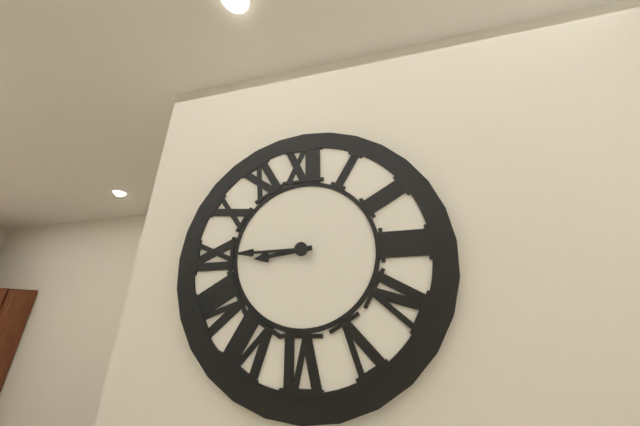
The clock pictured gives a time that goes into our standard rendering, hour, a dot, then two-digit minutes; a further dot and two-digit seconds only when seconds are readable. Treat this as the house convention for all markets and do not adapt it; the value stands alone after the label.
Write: 8.45
